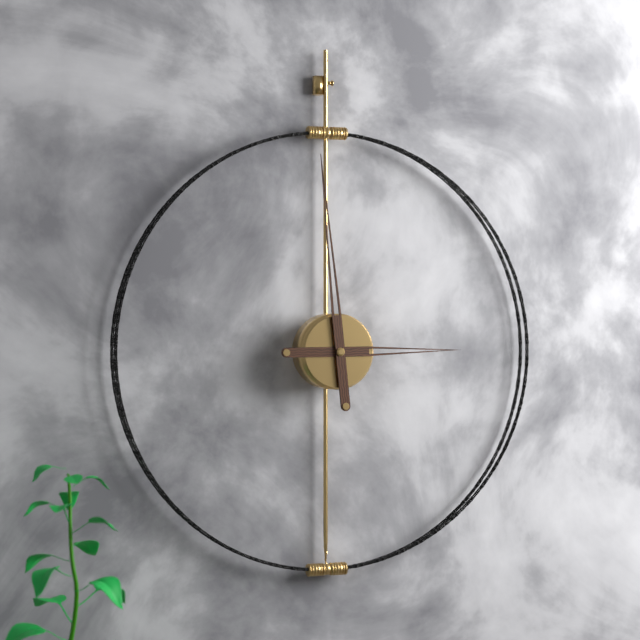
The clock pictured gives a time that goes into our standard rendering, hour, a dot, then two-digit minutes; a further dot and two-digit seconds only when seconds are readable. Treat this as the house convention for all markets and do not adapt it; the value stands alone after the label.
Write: 2.59
